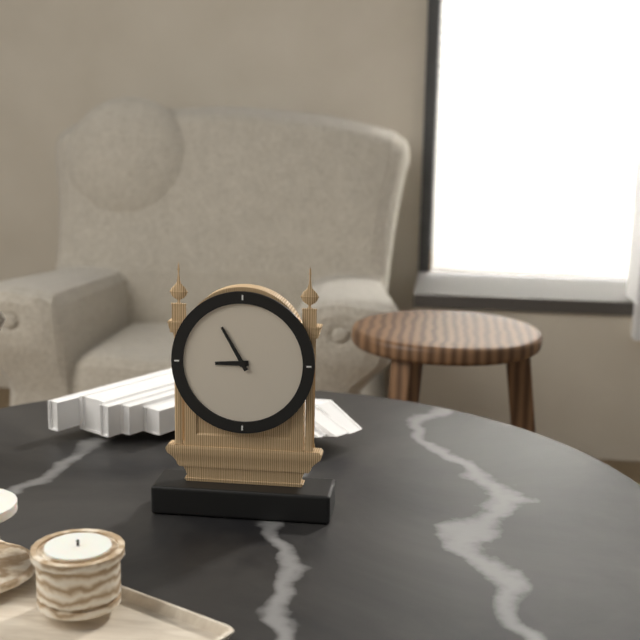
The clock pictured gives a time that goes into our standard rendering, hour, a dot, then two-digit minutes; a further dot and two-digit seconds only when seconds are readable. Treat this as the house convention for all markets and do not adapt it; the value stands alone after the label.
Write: 8.55
